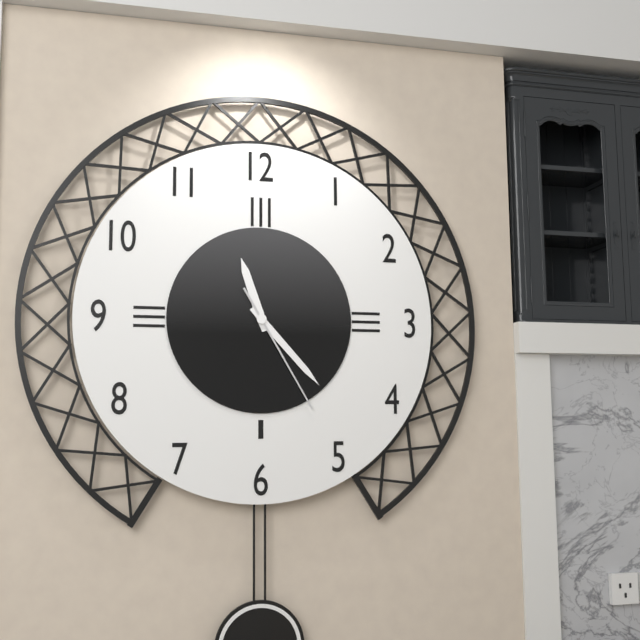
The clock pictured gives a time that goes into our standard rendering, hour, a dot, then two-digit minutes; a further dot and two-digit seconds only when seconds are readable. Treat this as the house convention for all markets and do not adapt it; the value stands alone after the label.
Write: 11.23.25
